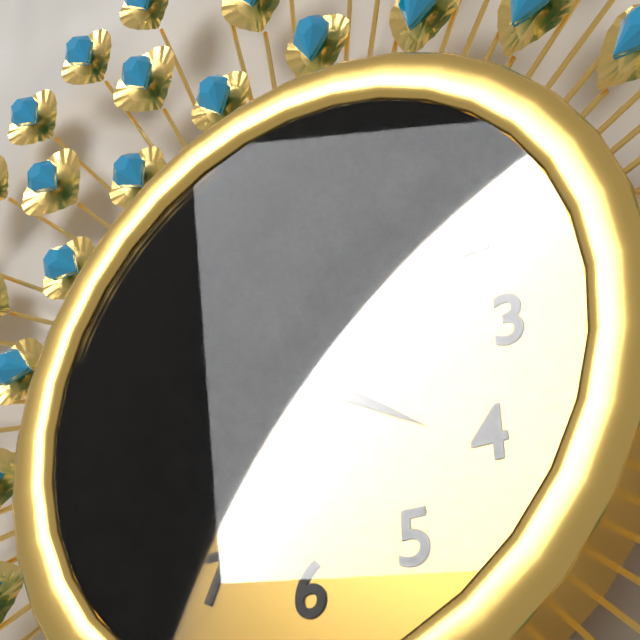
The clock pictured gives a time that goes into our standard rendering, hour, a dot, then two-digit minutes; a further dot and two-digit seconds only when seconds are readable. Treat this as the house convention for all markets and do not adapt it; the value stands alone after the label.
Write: 4.06.42
